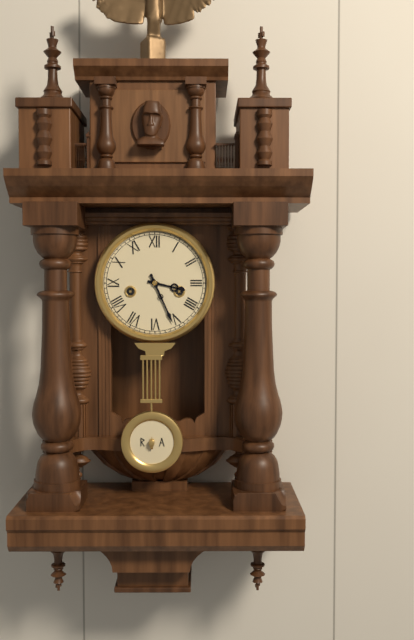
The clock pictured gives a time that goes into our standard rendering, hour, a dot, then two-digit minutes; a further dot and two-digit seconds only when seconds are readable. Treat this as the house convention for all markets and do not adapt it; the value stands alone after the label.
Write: 3.26
